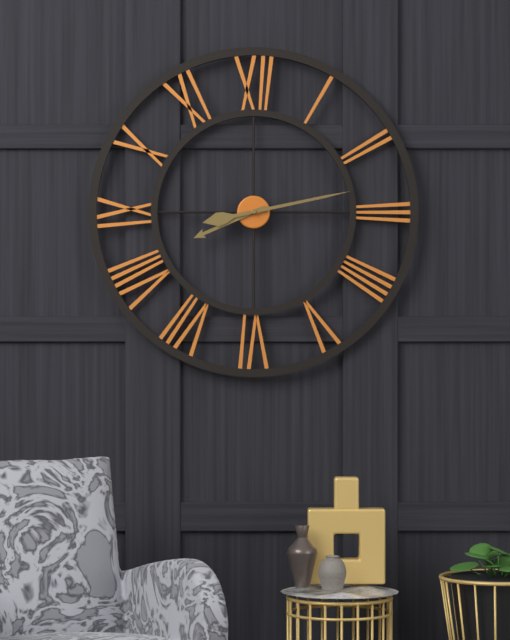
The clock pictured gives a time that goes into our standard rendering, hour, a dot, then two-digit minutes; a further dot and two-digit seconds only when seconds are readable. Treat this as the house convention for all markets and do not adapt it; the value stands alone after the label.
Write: 8.13
